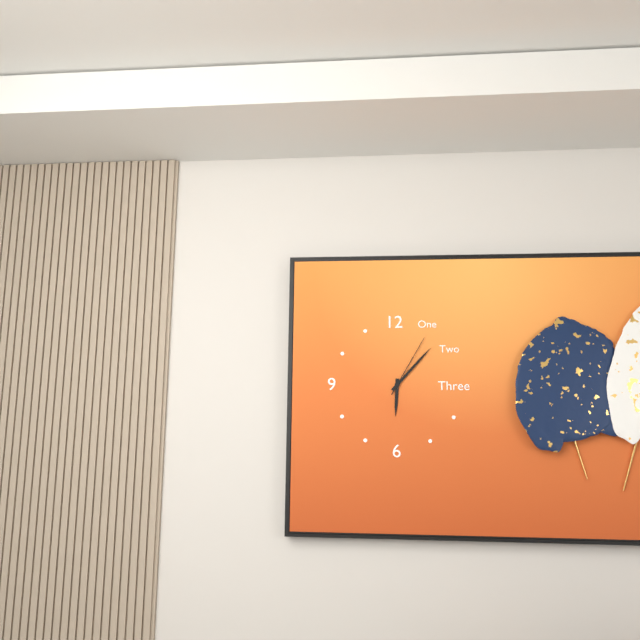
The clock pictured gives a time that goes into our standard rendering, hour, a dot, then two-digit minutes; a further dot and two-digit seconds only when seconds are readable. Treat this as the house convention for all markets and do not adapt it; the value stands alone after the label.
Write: 6.07.05
